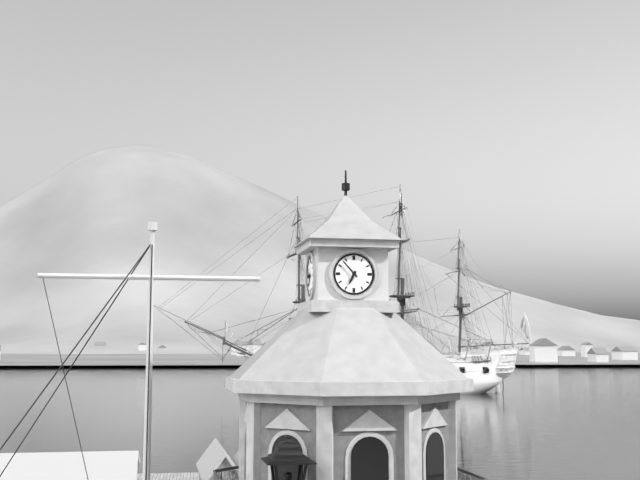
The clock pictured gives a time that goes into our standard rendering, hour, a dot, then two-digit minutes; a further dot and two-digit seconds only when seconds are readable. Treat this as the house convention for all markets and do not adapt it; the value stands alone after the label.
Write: 6.53
